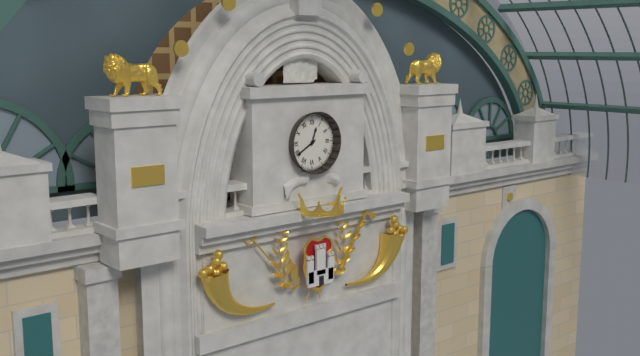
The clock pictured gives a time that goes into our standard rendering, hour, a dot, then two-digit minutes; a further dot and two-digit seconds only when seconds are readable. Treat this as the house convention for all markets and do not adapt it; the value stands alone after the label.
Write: 12.40
